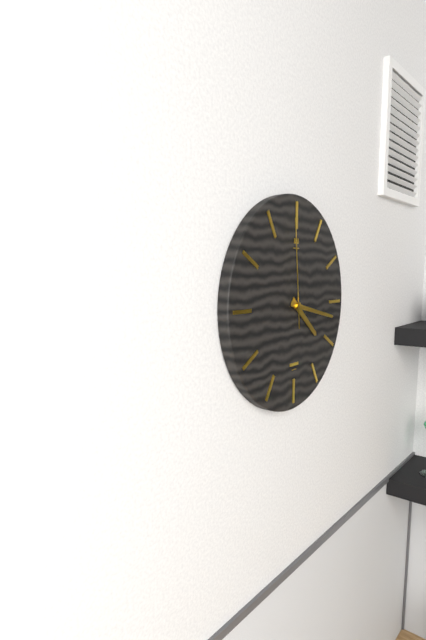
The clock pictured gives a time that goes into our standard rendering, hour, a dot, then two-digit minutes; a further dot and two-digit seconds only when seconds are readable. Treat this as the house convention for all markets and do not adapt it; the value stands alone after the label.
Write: 4.17.59
